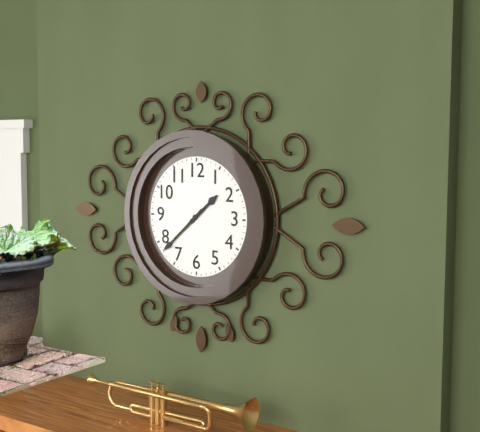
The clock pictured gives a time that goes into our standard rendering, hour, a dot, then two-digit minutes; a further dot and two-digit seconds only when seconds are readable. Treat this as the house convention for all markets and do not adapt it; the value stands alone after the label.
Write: 1.38
